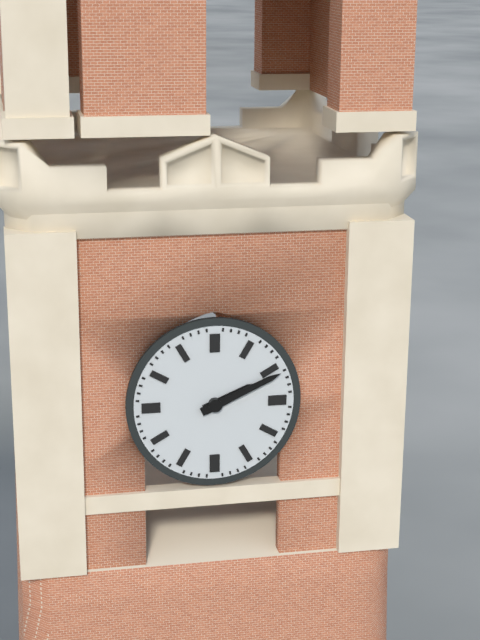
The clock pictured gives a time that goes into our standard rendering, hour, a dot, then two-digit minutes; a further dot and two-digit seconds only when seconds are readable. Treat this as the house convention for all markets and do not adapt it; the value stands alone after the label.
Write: 2.11
